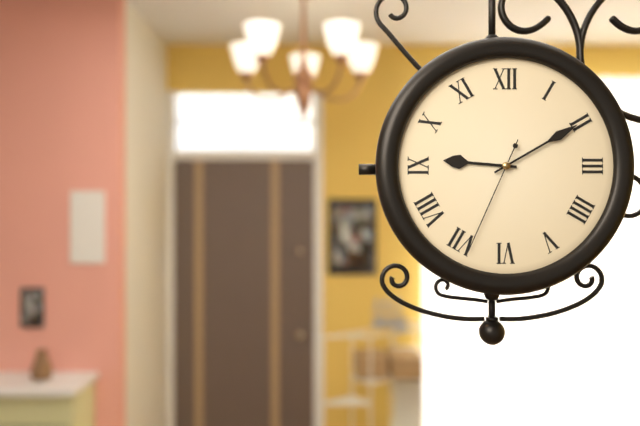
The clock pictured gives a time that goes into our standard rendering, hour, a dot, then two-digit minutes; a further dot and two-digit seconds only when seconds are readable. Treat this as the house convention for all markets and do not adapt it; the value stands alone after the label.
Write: 9.10.34
